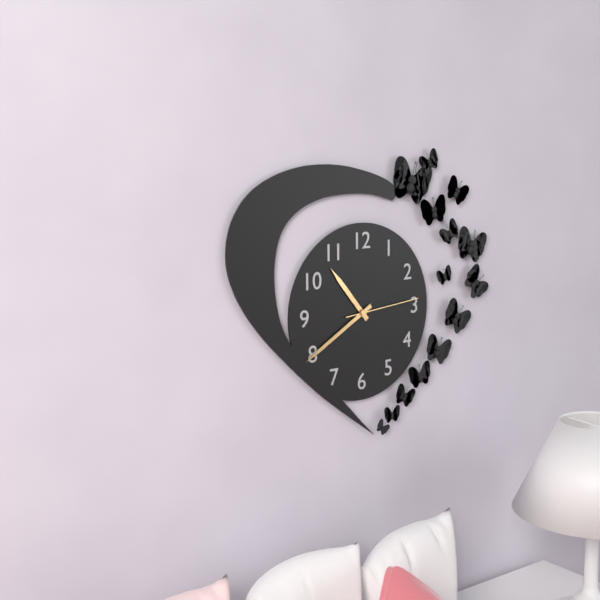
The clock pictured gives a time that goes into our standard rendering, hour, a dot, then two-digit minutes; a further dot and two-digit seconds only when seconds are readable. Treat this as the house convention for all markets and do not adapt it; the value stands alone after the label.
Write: 10.40.14
